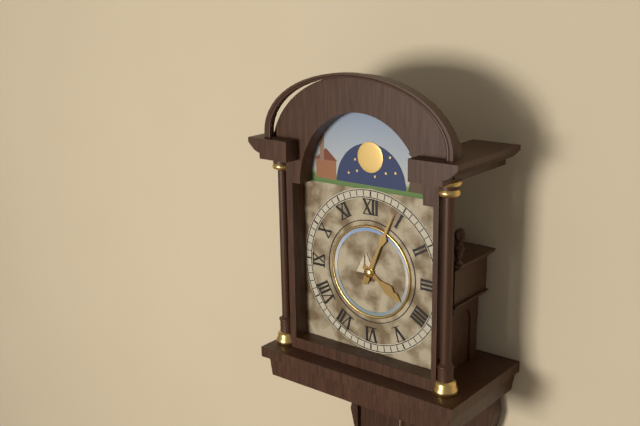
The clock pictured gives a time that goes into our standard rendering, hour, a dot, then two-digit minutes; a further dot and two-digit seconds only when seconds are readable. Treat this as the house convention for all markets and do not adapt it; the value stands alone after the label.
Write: 4.04
